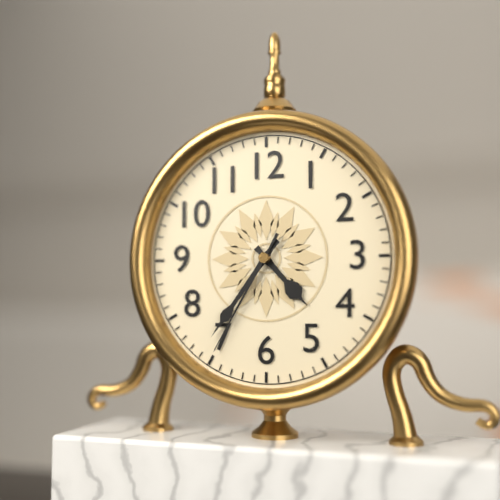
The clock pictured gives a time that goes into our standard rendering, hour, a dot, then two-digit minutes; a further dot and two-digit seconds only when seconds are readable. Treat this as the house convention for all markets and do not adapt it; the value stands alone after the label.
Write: 4.36.35
